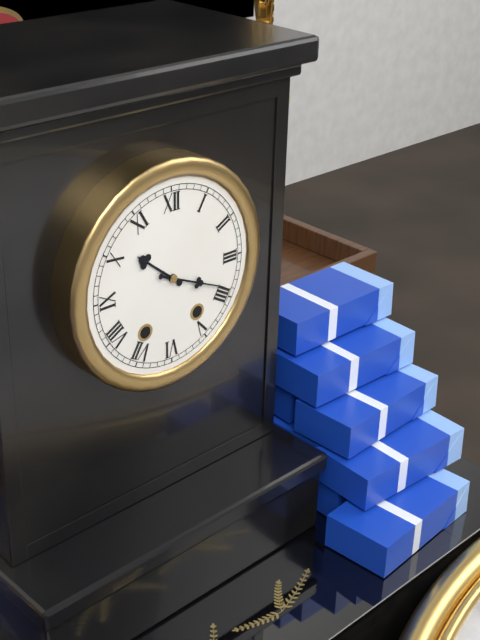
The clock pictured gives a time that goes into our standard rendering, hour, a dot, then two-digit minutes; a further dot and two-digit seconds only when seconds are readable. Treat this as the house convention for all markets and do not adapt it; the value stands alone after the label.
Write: 10.19
